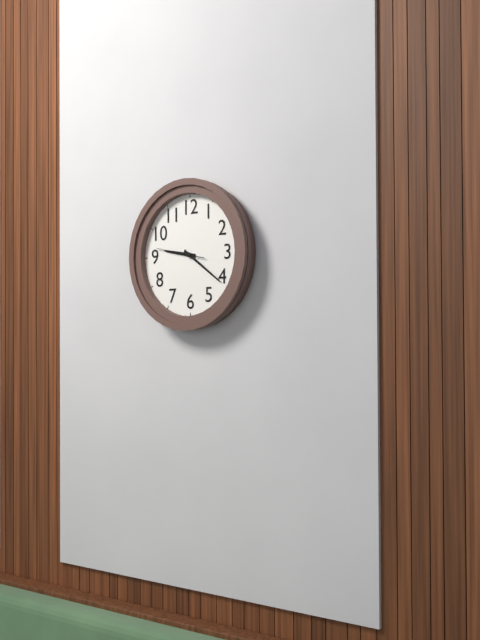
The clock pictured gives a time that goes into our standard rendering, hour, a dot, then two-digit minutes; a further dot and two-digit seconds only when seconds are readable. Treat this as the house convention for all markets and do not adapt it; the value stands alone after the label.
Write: 9.21
